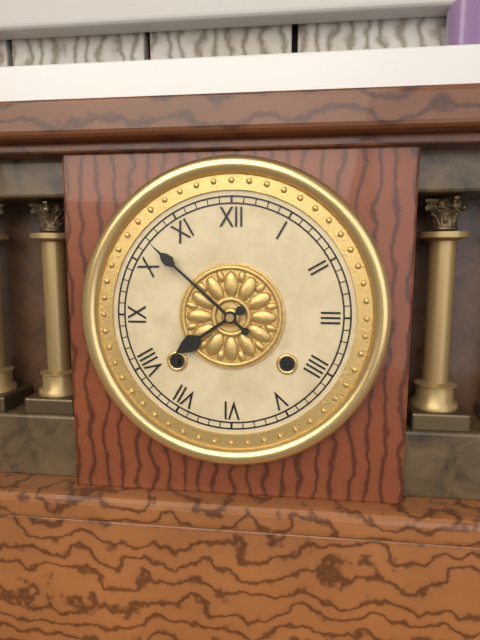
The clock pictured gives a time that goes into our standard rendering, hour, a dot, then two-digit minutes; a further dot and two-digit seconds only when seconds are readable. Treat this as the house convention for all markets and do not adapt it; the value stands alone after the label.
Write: 7.52
